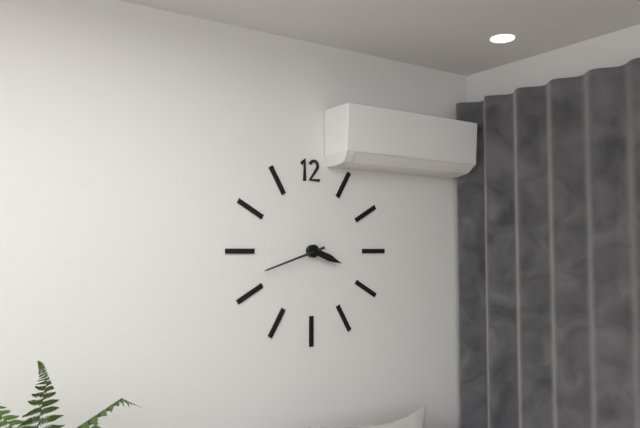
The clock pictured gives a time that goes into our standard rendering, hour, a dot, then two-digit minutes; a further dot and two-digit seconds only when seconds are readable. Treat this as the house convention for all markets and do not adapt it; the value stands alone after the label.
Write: 3.42
